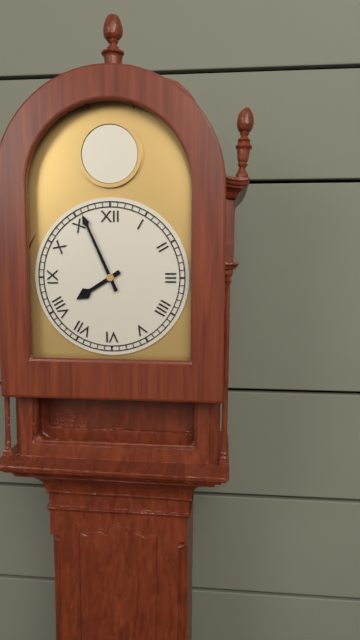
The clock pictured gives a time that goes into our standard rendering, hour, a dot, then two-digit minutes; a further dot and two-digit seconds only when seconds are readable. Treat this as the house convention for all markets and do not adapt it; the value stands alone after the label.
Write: 7.56
